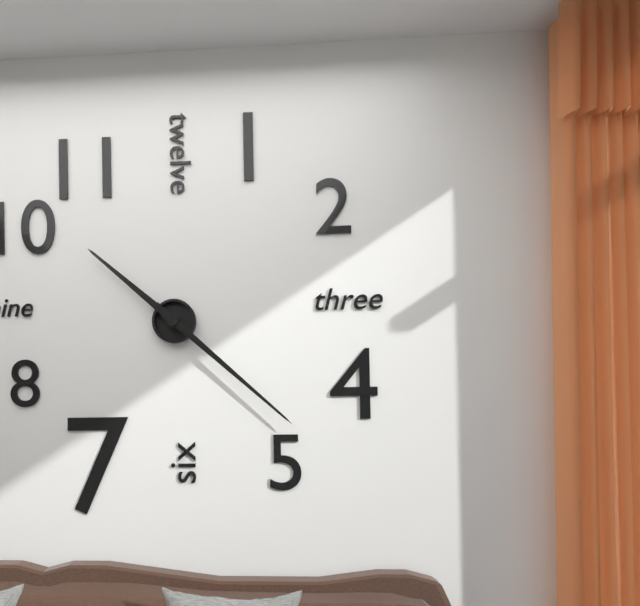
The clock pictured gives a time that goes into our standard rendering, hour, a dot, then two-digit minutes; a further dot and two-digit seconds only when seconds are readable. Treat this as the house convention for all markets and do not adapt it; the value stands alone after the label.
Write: 10.22
